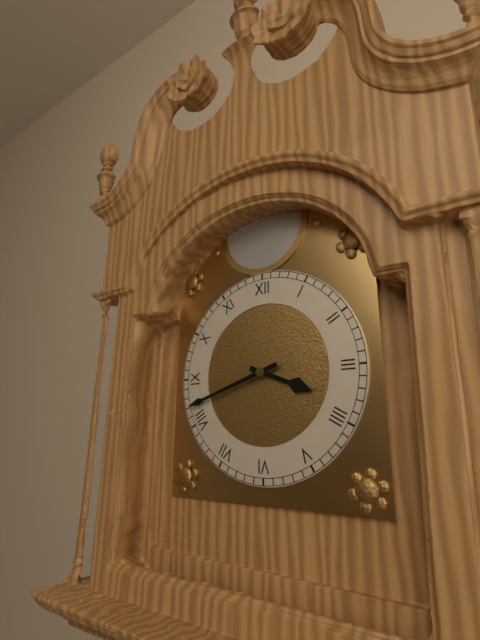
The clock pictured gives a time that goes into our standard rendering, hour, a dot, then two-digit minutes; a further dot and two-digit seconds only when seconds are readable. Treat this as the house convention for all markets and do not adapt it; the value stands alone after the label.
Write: 3.42
